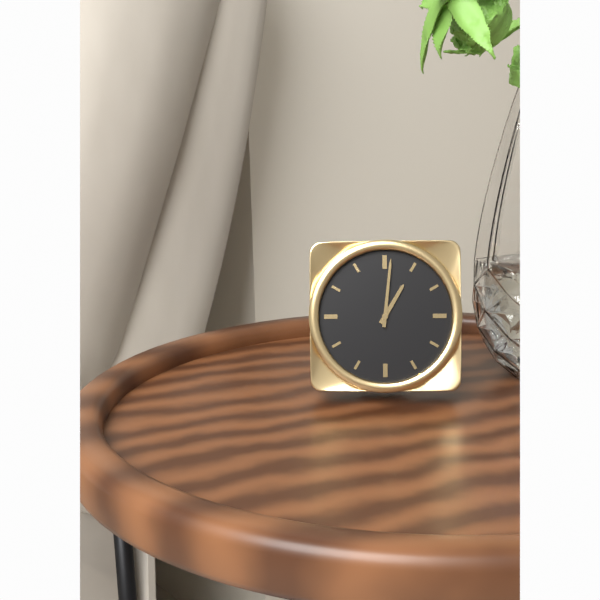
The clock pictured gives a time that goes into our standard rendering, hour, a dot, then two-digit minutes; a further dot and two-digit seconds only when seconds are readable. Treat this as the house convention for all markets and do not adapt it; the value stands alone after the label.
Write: 1.01
